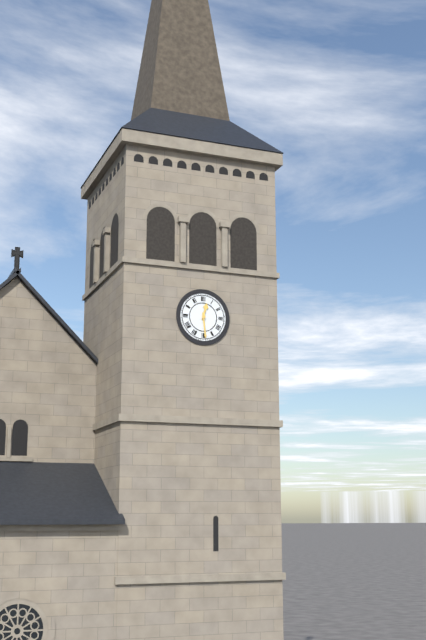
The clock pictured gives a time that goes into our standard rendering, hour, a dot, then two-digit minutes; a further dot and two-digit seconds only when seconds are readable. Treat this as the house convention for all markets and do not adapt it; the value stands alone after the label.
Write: 12.29
